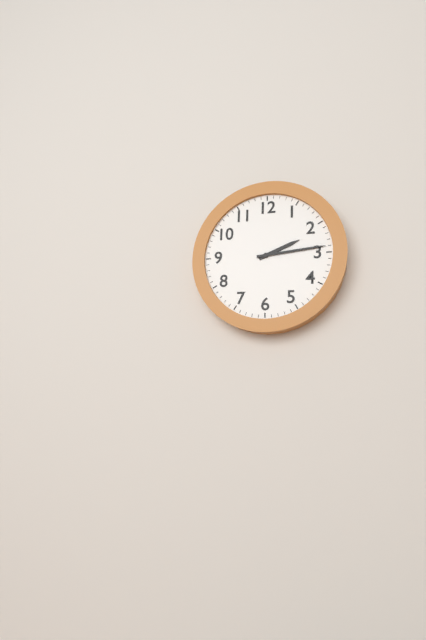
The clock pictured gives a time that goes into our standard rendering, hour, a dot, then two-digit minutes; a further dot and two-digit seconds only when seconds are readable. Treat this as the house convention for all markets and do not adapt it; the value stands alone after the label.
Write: 2.14
